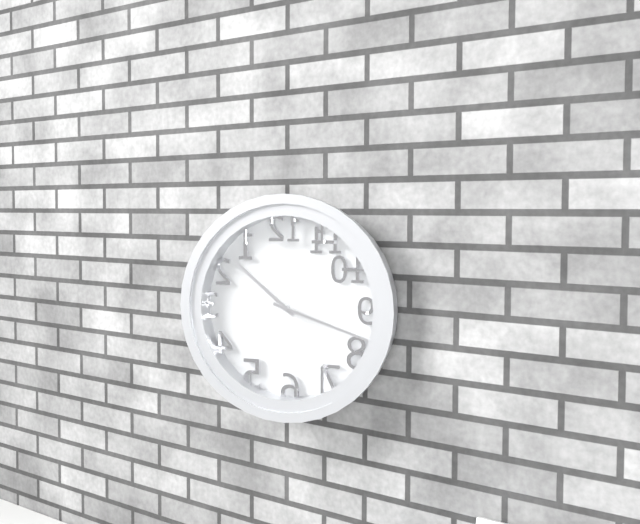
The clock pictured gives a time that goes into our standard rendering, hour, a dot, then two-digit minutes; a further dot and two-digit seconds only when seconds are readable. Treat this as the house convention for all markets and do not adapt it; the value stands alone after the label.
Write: 10.18
